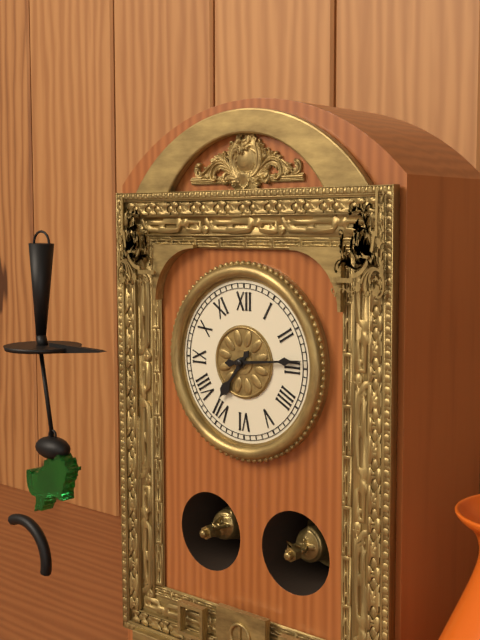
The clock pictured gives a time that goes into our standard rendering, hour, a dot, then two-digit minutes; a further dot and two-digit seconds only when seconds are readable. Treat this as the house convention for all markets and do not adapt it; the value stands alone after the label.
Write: 7.14
